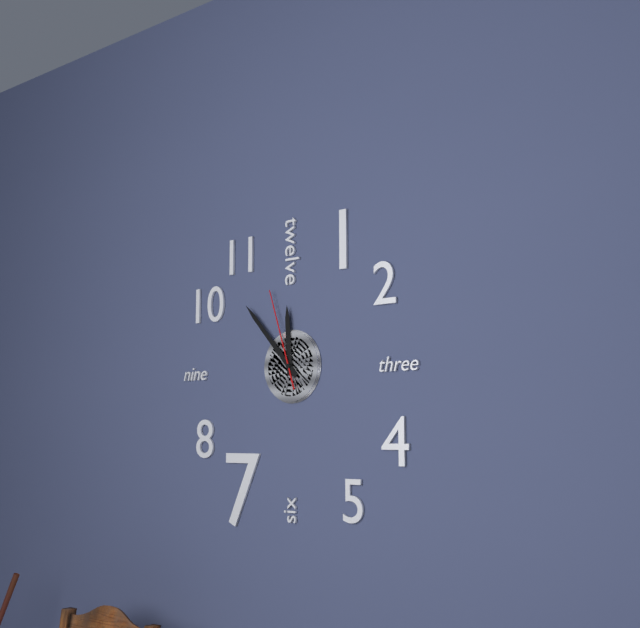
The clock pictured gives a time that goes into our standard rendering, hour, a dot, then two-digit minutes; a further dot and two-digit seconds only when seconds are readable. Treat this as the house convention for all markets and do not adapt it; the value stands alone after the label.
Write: 11.53.57
